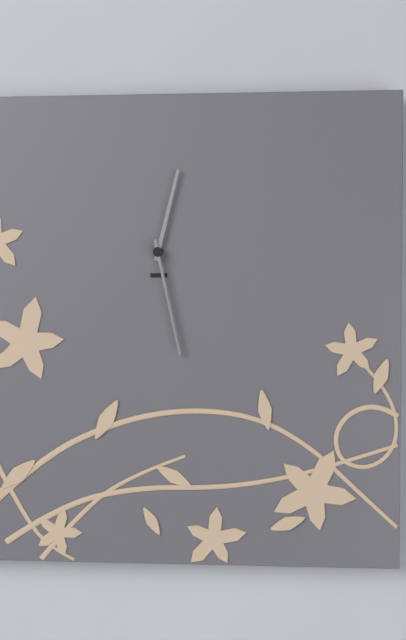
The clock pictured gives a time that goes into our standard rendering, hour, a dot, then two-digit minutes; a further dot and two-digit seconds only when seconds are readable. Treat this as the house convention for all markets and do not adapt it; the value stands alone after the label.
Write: 12.28.28
